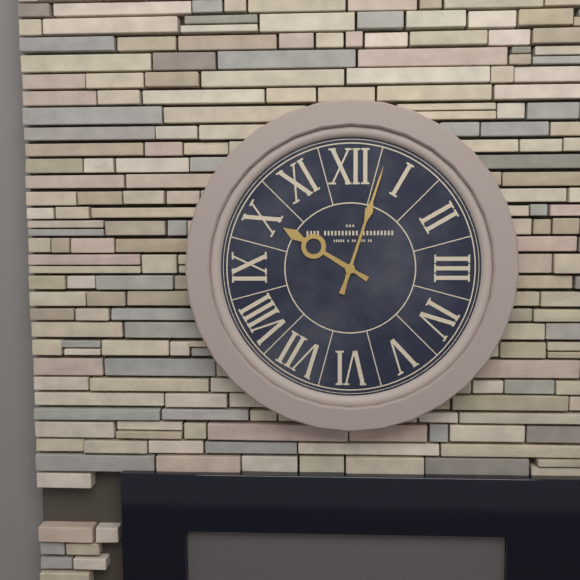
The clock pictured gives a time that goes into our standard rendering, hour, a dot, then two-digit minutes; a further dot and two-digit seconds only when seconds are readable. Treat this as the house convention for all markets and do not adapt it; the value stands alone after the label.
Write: 10.03
